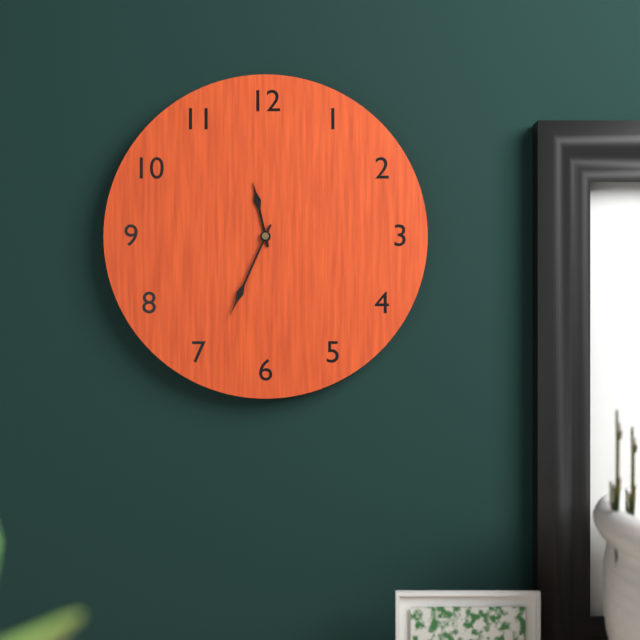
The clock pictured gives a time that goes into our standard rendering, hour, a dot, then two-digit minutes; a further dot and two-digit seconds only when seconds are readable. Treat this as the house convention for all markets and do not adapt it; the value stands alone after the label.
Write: 11.34
